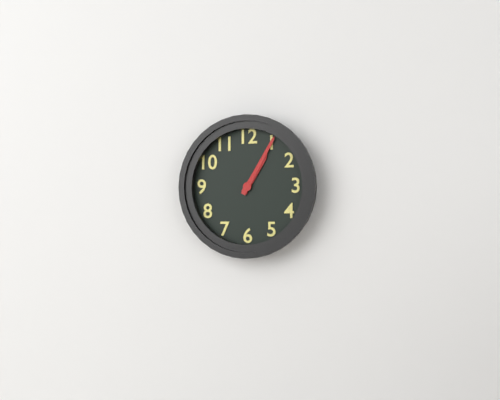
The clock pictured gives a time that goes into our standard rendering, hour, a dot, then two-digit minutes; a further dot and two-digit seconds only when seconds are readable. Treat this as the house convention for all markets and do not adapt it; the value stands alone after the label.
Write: 1.05
